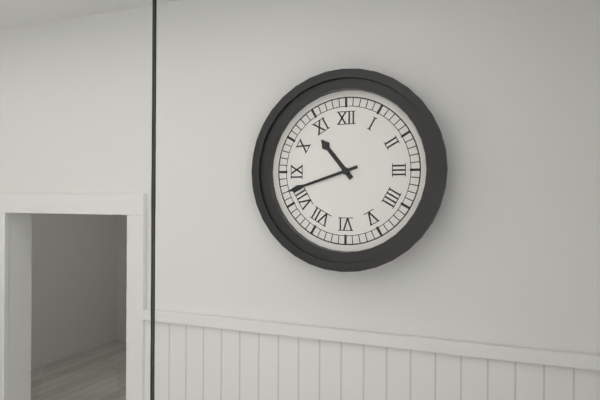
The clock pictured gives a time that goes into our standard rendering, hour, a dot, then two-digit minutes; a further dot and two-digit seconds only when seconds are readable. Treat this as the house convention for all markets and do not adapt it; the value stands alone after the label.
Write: 10.42
